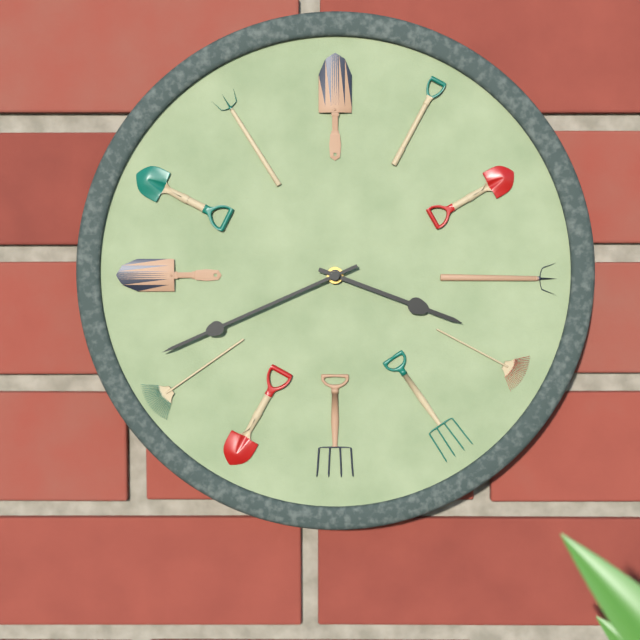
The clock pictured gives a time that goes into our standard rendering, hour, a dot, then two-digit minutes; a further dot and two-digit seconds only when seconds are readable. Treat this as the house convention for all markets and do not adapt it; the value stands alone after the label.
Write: 3.41
